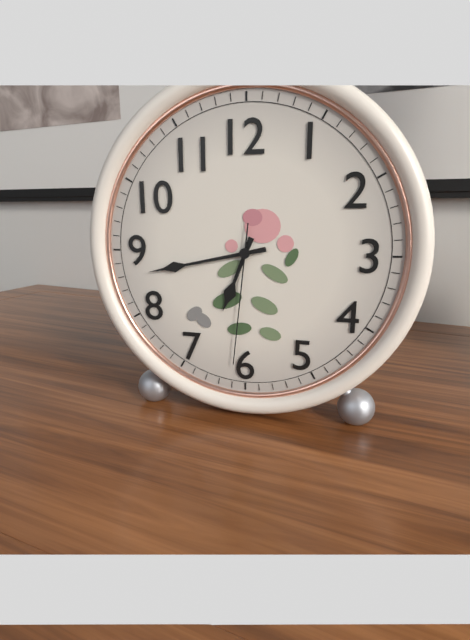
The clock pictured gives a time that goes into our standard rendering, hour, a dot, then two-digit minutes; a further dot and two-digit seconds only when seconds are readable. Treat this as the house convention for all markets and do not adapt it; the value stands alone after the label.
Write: 6.43.31
